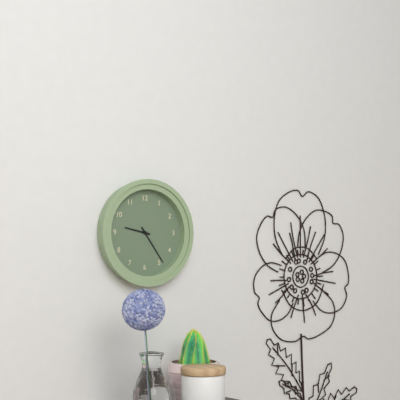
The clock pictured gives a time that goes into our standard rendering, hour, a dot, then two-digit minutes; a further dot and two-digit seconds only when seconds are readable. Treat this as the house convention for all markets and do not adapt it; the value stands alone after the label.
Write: 9.24
